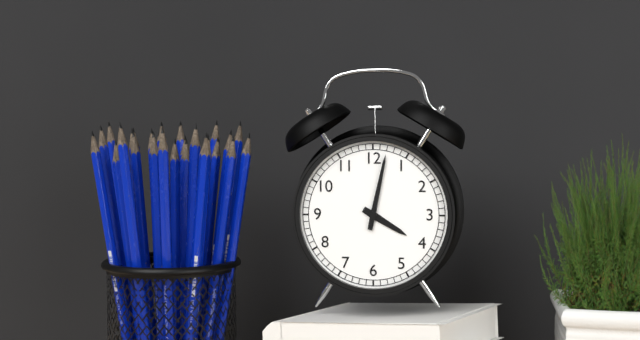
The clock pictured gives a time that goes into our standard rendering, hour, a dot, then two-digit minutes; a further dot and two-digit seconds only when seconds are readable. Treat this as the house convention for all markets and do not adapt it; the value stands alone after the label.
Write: 4.02
